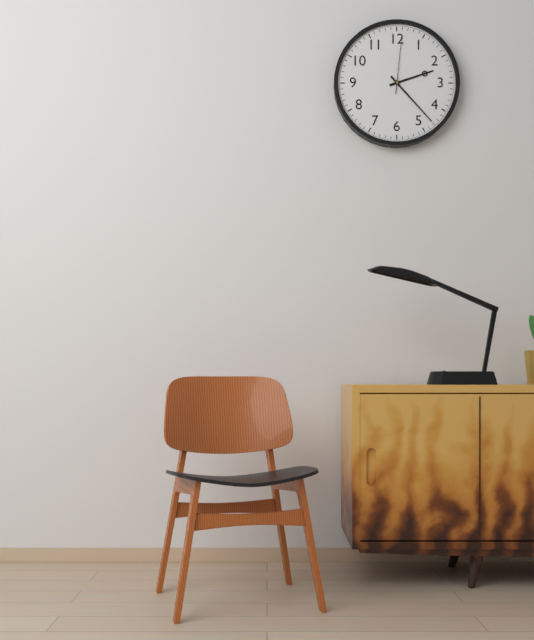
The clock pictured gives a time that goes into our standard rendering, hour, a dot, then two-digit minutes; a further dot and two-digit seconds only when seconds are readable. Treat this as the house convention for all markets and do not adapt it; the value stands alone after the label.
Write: 2.23.01
